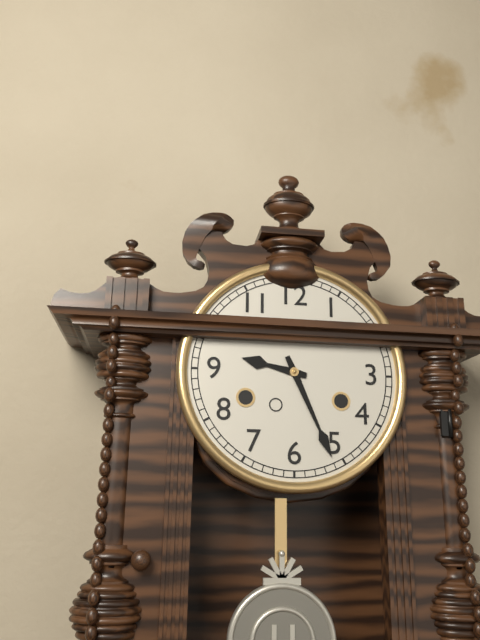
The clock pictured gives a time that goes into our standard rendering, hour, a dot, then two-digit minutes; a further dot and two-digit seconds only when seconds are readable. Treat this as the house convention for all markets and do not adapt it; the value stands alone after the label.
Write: 9.26
